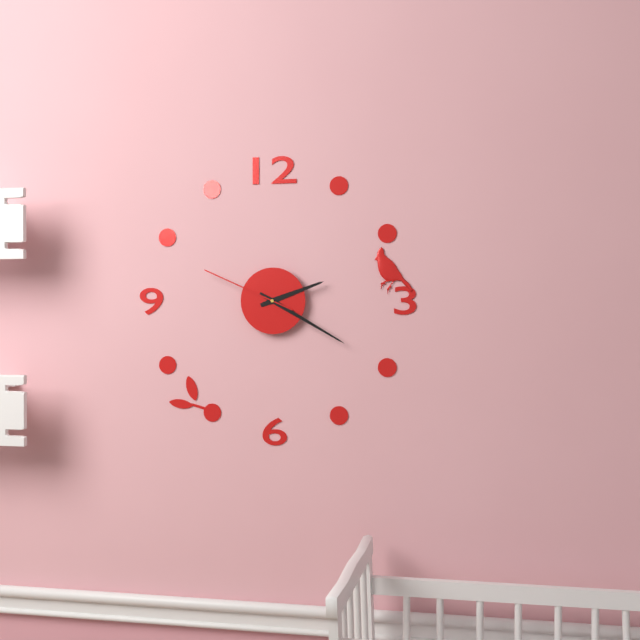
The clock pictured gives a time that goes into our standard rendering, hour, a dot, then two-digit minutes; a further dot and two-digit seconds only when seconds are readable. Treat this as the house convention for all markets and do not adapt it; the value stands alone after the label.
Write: 2.20.49
